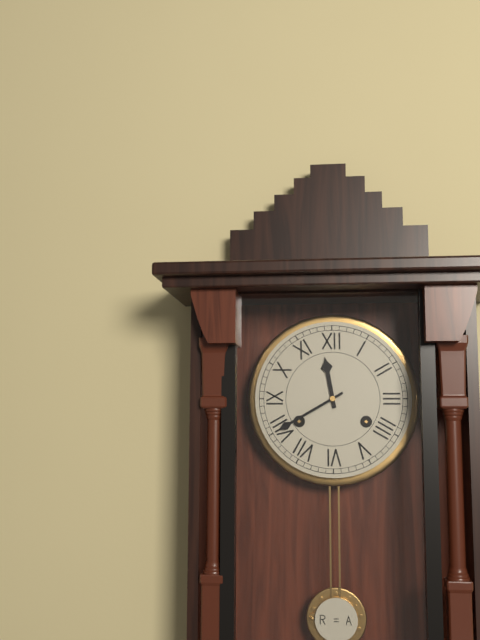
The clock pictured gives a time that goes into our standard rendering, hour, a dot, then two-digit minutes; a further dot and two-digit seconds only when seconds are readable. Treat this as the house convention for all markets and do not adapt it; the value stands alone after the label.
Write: 11.40
